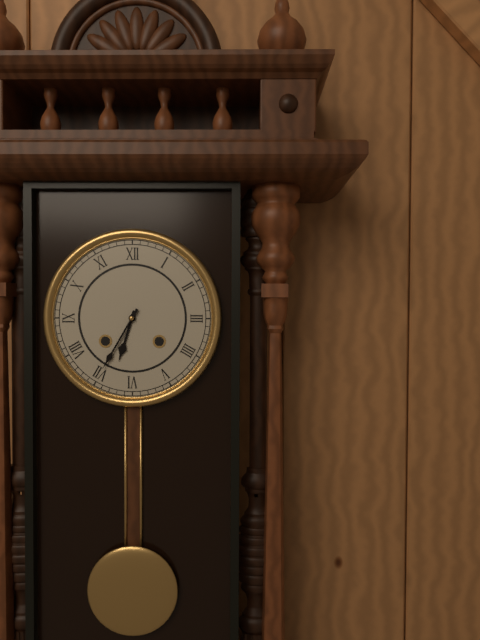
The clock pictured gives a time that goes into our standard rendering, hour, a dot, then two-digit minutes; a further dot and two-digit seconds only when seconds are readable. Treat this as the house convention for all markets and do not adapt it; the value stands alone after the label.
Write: 6.35
